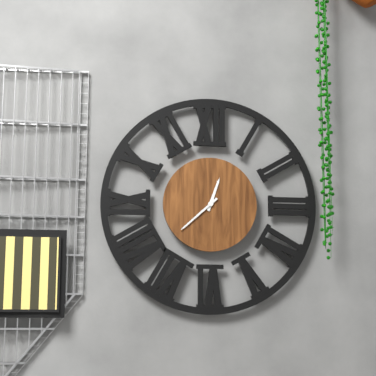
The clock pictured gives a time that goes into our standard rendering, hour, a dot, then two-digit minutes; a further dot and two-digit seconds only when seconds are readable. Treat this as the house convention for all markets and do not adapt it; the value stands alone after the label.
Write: 12.38
